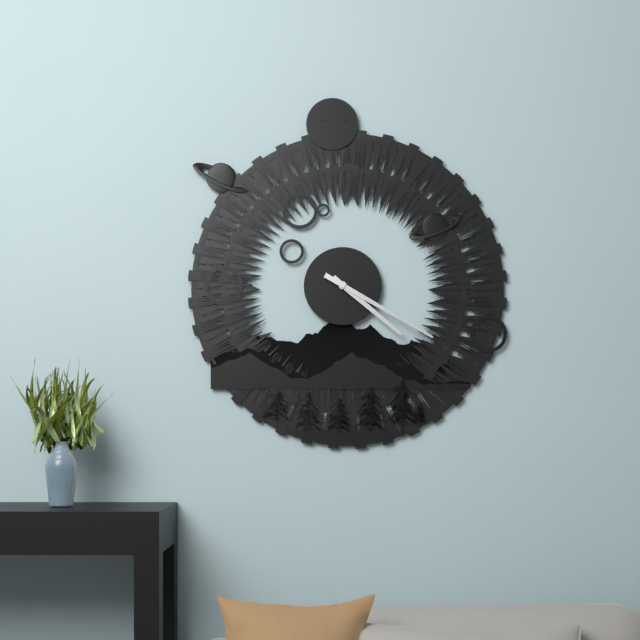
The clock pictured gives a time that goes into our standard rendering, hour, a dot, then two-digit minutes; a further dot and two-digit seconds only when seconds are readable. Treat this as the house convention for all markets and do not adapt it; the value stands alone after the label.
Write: 4.20
